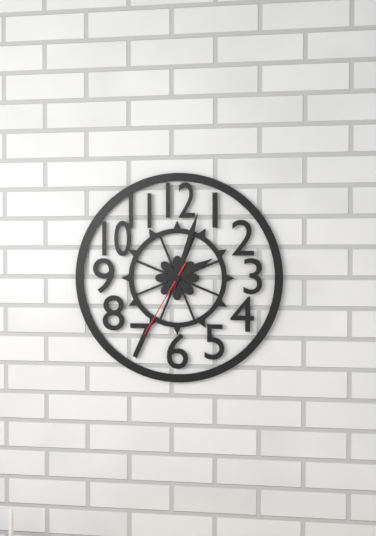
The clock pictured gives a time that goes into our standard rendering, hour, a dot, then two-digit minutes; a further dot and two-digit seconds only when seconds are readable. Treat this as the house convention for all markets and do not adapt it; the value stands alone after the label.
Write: 2.03.35
